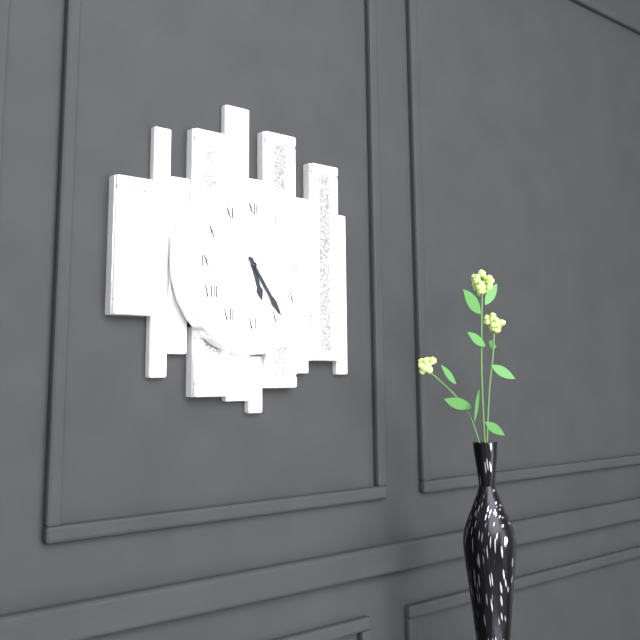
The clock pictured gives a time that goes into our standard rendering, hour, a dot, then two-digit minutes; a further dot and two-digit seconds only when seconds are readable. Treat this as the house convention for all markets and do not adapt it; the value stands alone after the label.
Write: 5.24
